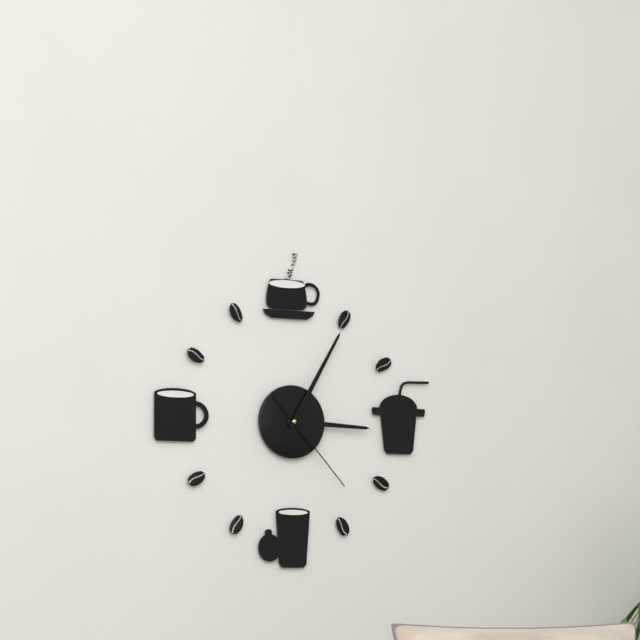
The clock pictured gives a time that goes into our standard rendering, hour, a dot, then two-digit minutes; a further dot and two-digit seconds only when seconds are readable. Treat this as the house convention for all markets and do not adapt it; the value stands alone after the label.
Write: 3.05.23
